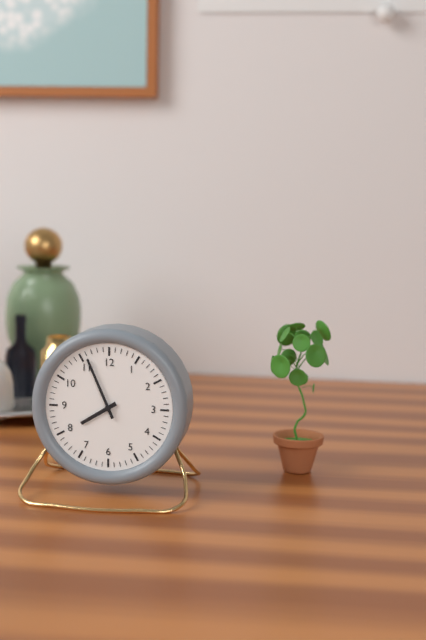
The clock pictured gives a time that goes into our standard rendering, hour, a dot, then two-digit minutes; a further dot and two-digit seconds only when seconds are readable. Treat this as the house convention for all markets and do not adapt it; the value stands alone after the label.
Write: 7.56
